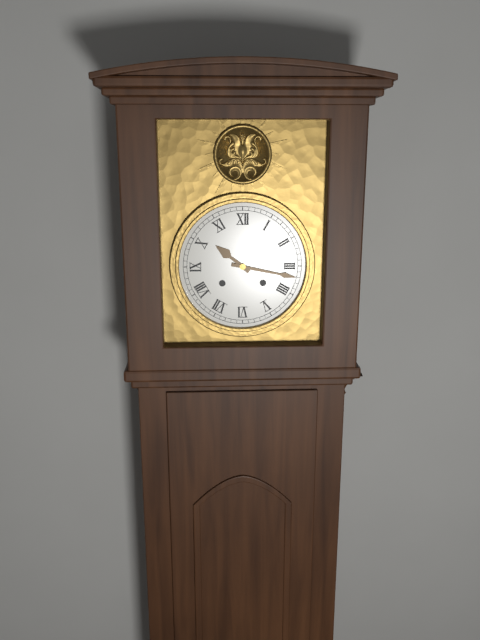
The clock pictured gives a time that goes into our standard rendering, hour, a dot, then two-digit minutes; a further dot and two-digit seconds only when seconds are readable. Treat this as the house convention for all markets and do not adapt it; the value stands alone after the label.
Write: 10.17
